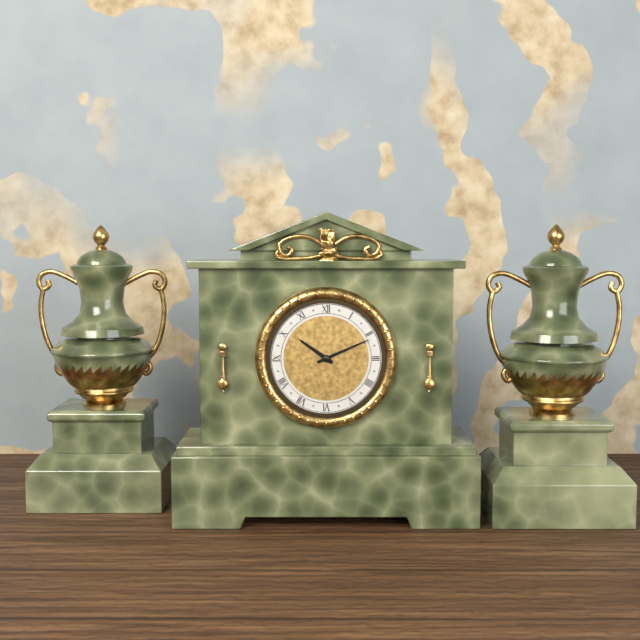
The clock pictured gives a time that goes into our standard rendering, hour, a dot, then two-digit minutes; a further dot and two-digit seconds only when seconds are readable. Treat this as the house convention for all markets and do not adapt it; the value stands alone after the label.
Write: 10.11
